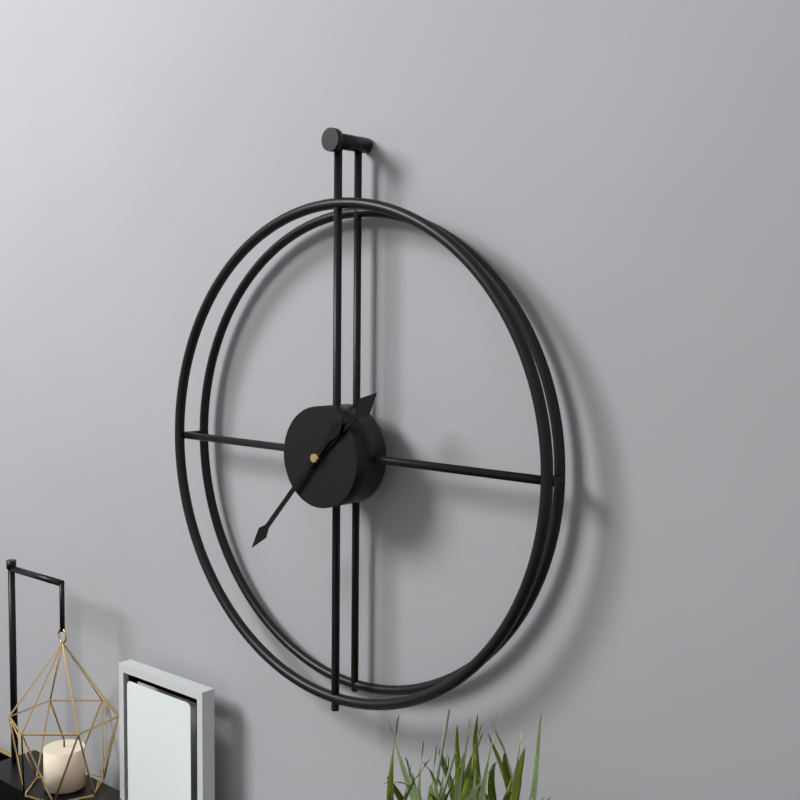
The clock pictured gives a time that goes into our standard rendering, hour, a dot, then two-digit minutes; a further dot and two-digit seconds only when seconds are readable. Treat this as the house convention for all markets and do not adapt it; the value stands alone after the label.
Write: 1.37
